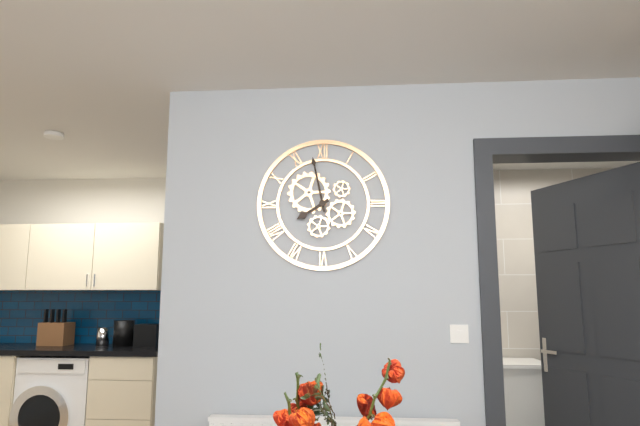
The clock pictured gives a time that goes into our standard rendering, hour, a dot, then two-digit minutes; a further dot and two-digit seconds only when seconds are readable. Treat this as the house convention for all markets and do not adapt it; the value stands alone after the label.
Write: 7.58
